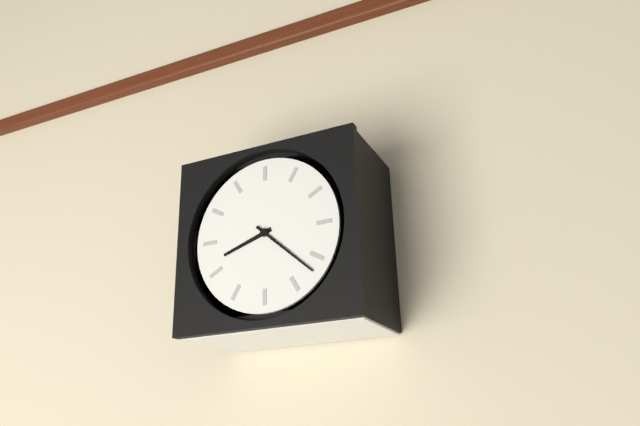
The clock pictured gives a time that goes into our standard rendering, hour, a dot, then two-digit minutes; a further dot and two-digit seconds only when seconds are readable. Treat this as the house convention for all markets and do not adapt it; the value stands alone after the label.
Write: 8.22
